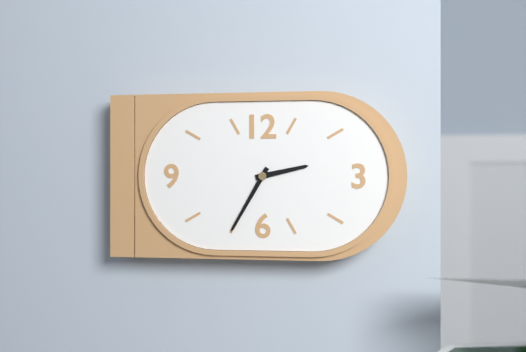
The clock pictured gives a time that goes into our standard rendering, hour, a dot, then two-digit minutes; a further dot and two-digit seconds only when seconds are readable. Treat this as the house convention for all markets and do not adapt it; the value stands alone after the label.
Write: 2.35
